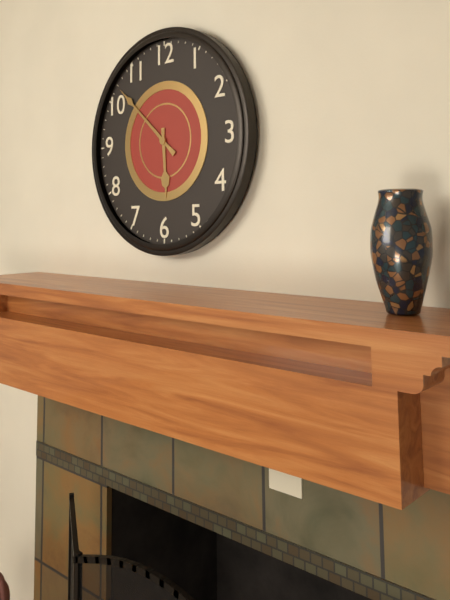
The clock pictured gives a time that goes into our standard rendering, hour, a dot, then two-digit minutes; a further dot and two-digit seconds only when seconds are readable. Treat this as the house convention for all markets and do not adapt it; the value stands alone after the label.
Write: 5.52
